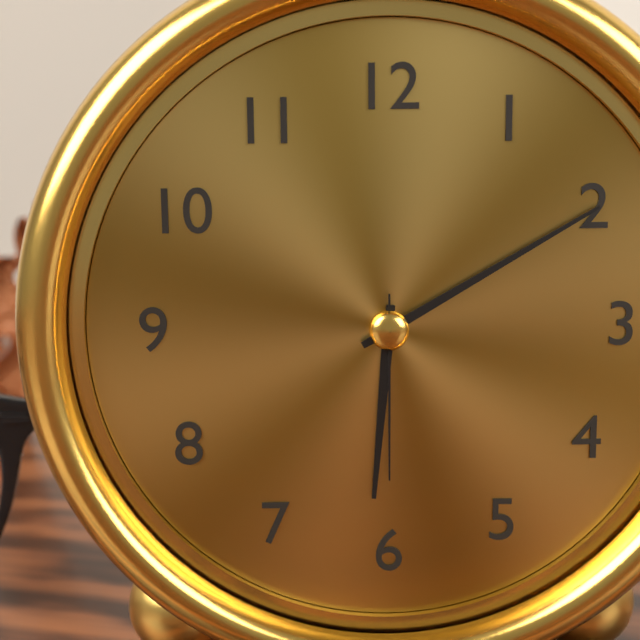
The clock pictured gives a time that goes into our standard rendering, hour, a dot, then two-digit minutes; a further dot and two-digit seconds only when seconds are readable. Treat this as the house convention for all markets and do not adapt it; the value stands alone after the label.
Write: 6.10.30
